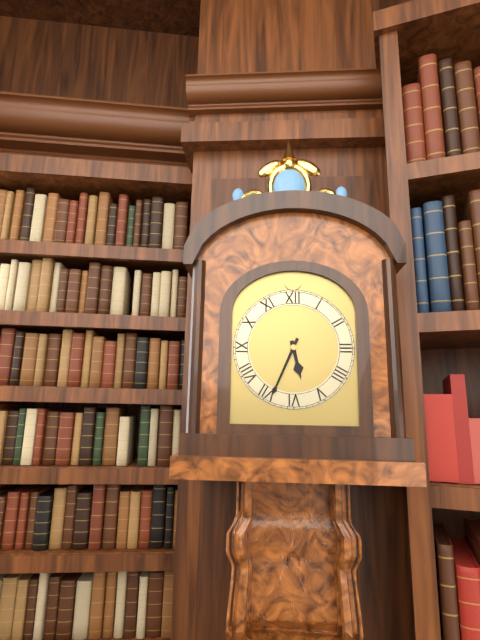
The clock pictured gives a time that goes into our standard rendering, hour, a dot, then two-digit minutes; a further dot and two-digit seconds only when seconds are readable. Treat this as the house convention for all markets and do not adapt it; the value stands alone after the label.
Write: 5.34
